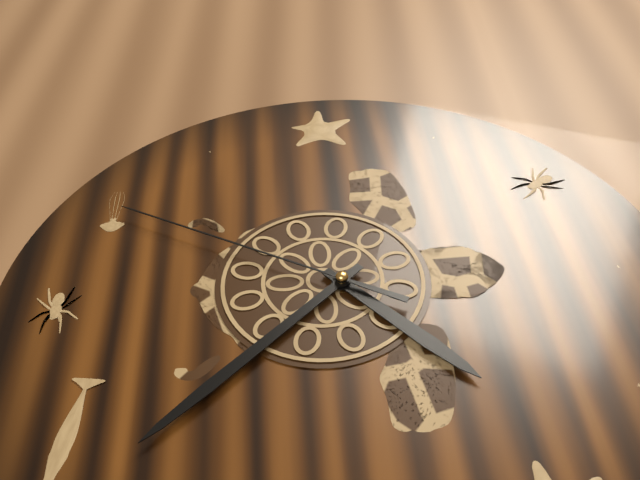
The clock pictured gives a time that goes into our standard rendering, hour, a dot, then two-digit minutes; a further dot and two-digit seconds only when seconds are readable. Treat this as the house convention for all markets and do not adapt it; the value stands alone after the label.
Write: 4.38.50
